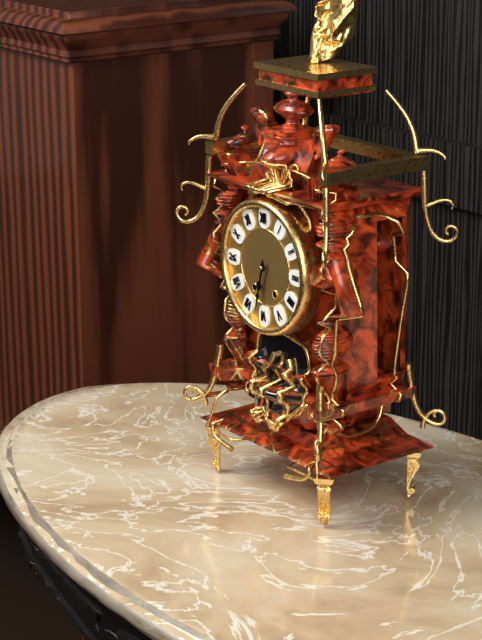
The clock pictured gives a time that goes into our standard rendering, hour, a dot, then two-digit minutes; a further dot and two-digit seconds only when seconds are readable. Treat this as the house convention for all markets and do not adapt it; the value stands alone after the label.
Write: 6.32
